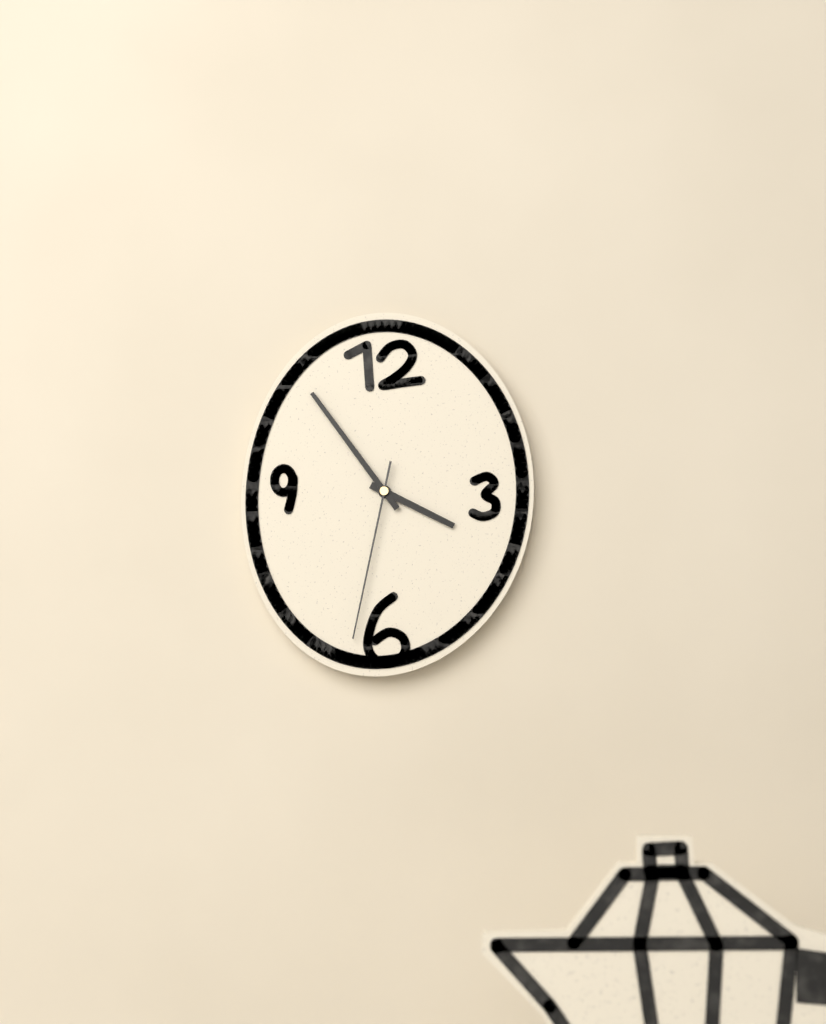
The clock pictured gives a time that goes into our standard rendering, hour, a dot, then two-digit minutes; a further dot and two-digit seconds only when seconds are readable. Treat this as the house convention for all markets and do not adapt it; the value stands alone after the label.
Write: 3.54.32
